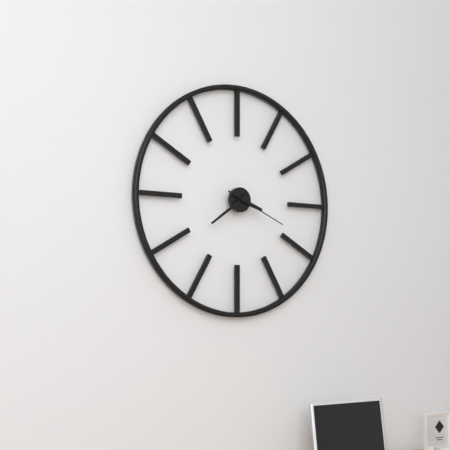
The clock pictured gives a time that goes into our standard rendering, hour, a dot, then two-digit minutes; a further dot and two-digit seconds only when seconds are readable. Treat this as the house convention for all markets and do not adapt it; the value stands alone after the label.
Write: 3.39.19
